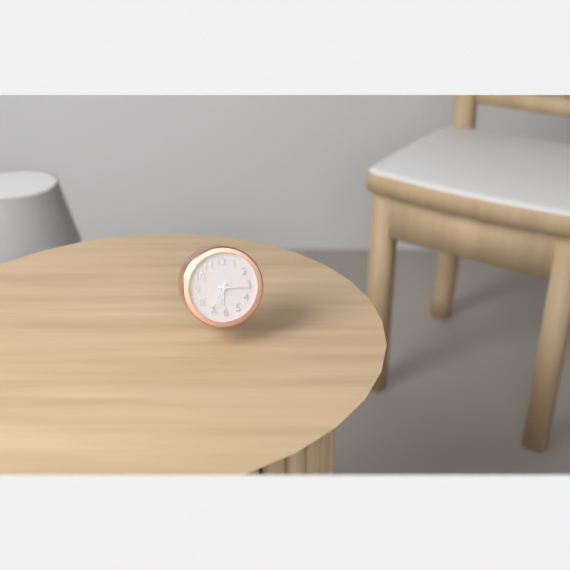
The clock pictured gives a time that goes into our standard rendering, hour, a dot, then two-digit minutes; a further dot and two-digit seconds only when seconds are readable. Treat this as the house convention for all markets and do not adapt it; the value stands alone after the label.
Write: 6.16
